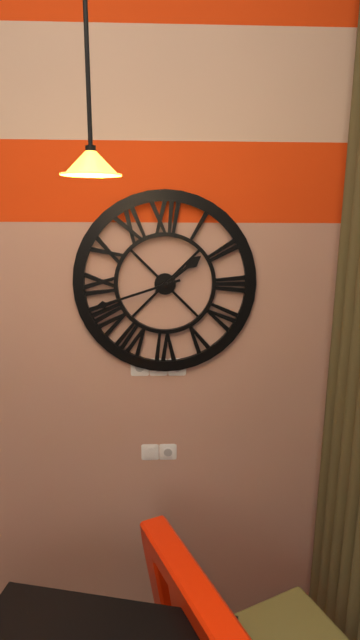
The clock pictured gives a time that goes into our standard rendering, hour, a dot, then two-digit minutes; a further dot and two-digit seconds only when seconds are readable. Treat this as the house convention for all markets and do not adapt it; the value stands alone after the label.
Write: 1.42
